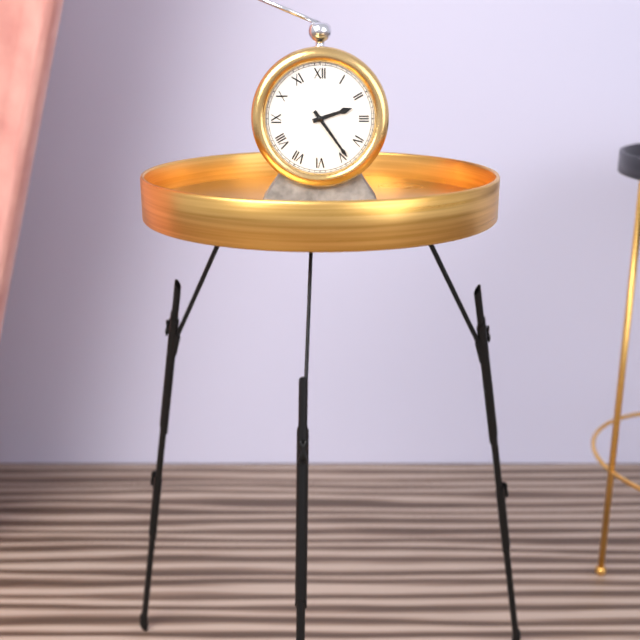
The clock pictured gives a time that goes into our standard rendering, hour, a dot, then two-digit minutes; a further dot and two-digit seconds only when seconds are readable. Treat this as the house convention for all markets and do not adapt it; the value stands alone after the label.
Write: 2.24
